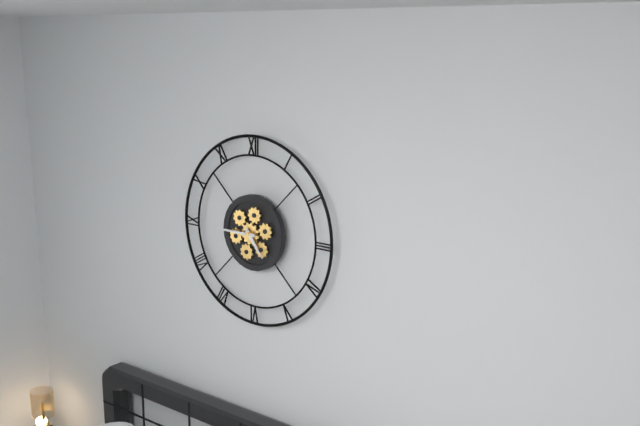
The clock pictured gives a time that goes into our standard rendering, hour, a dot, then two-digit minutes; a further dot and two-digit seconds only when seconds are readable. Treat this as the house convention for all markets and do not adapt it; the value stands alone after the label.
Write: 4.45
